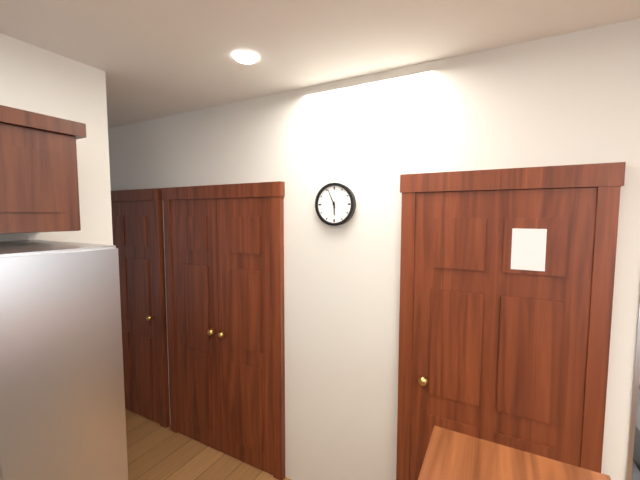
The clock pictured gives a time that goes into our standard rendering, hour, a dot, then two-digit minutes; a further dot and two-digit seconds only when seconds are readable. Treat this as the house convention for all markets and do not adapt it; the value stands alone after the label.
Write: 5.56
